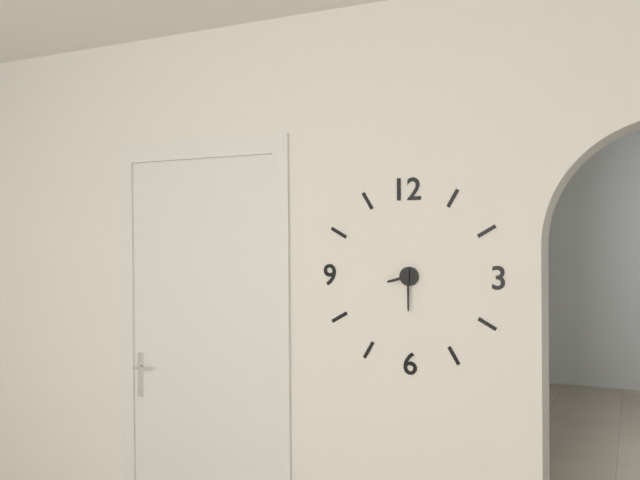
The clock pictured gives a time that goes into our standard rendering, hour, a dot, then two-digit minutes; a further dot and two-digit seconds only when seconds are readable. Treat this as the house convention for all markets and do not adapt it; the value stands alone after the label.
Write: 8.30
